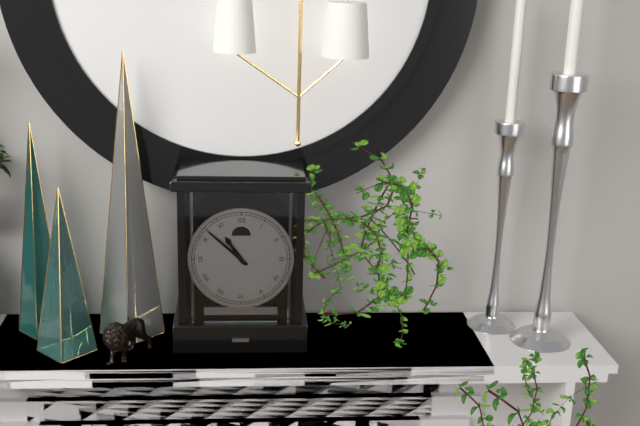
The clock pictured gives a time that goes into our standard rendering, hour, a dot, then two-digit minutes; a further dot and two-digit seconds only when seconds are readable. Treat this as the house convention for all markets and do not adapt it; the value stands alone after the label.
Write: 10.52
